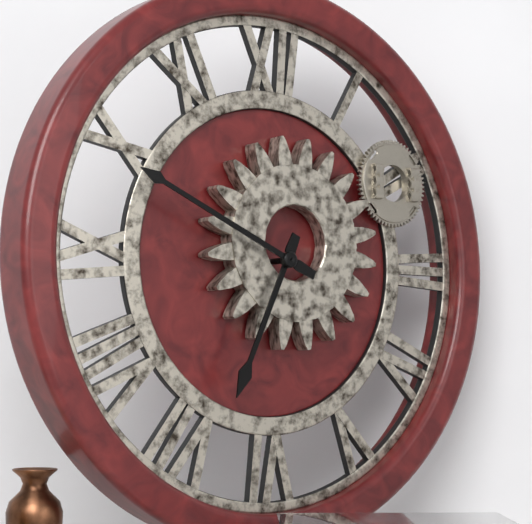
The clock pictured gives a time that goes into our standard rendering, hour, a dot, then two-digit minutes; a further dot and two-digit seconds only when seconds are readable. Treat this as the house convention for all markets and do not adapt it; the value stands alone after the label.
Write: 6.49
